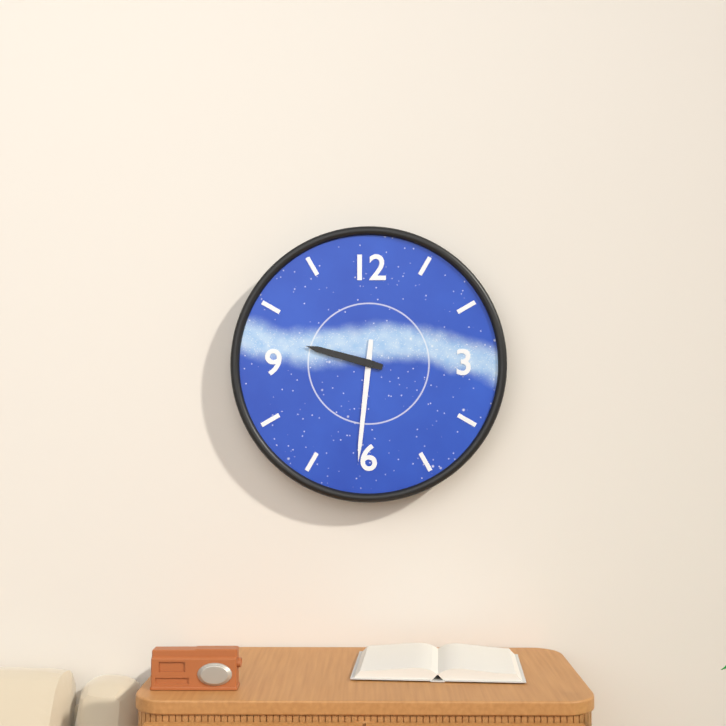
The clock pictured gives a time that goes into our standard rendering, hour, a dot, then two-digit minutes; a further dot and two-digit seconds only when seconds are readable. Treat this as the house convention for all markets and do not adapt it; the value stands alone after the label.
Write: 9.31
